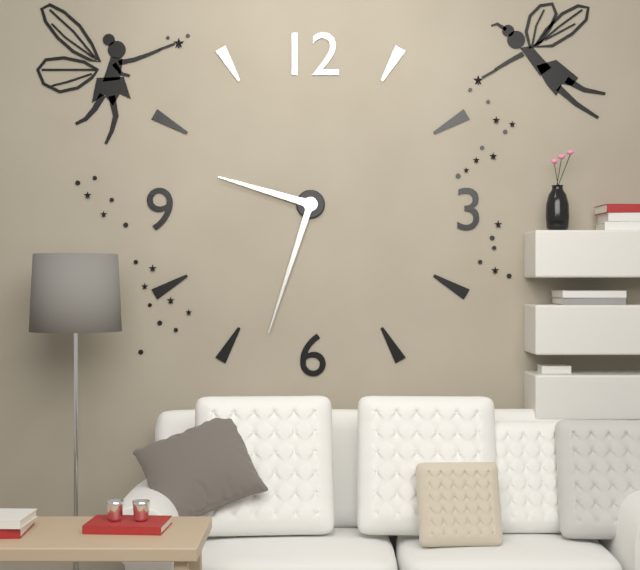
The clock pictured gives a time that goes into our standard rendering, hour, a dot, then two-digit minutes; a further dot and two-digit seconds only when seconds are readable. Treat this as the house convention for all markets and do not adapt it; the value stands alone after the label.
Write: 9.33
